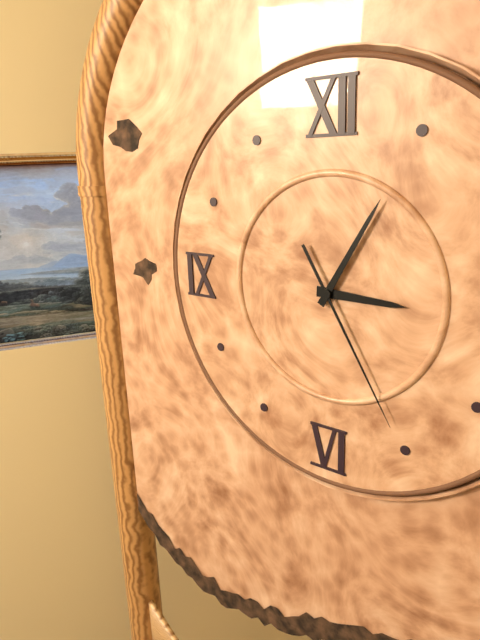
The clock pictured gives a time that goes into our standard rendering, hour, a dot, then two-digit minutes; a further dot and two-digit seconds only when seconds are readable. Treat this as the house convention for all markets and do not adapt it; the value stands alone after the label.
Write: 3.05.25
